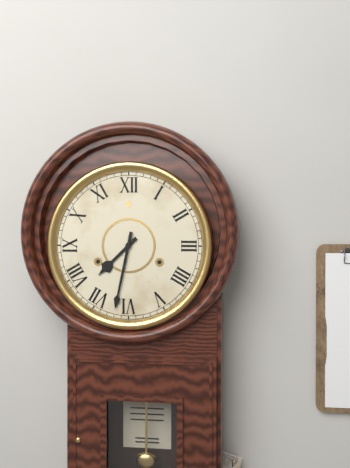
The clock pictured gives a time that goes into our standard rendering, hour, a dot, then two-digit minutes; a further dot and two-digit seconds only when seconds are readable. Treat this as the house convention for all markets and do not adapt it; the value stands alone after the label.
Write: 7.32
